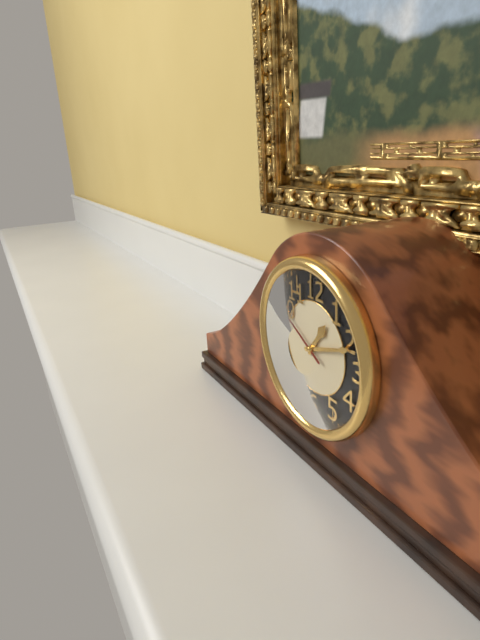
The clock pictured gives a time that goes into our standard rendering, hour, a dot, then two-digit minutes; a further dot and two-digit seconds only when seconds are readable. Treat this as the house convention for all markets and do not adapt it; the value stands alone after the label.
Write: 1.12.50
